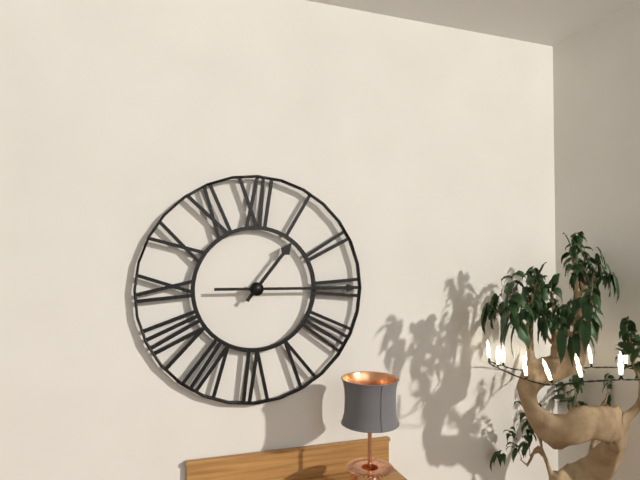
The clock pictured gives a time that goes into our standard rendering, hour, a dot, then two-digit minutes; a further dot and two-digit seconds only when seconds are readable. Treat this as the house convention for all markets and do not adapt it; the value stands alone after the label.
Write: 1.15
